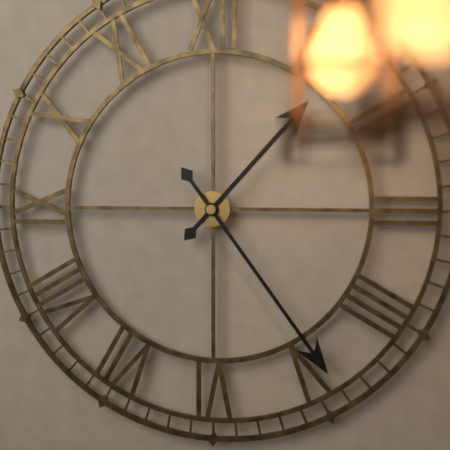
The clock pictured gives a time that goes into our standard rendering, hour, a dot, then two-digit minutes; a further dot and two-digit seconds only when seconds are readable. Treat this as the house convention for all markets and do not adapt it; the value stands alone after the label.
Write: 1.24
